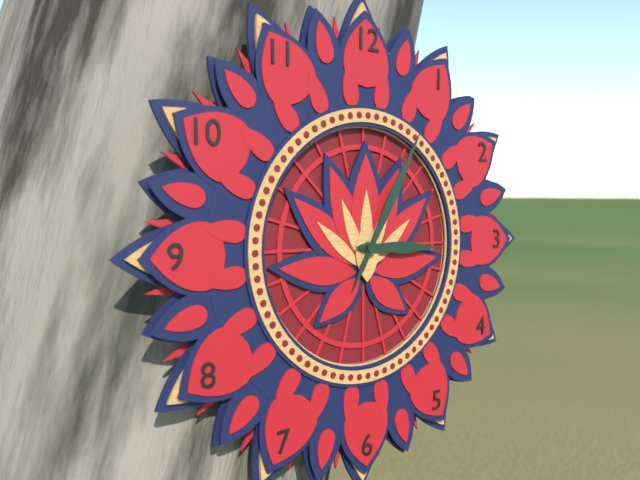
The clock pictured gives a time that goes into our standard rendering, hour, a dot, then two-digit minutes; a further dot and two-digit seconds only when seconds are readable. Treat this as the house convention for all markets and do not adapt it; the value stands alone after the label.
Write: 3.05
